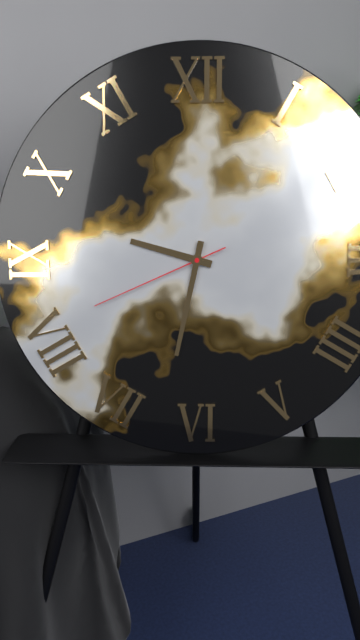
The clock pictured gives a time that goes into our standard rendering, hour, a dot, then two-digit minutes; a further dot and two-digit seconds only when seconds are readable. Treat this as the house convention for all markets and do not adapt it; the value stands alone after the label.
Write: 9.32.41
